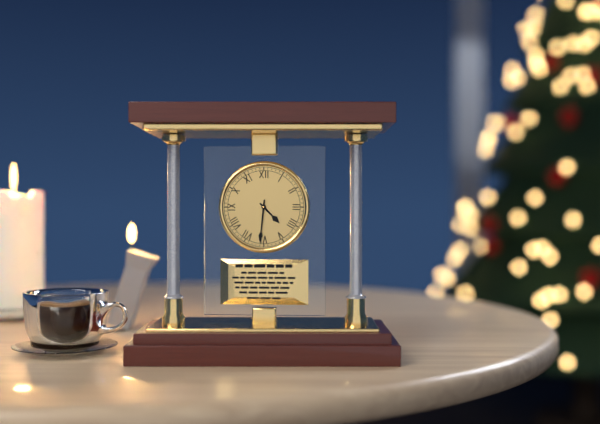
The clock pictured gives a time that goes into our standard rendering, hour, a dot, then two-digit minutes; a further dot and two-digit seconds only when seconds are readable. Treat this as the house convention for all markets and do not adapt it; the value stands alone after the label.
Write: 4.31
